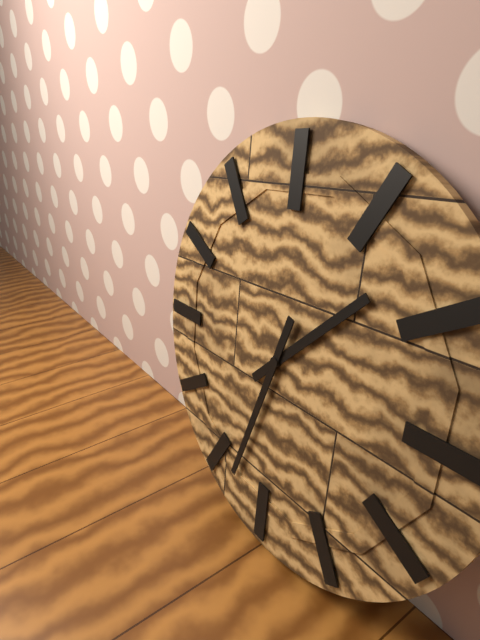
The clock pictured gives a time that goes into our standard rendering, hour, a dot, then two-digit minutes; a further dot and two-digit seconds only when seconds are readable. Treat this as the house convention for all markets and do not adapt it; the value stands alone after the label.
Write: 1.33
